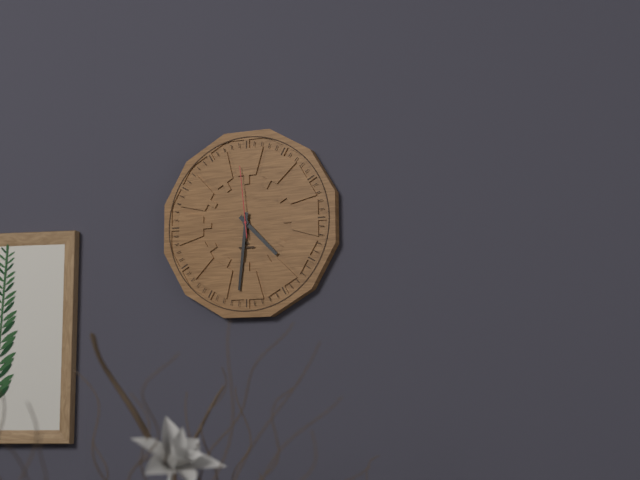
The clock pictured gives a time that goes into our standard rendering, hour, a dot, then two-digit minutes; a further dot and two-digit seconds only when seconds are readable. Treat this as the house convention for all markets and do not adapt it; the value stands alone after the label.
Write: 4.31.59
